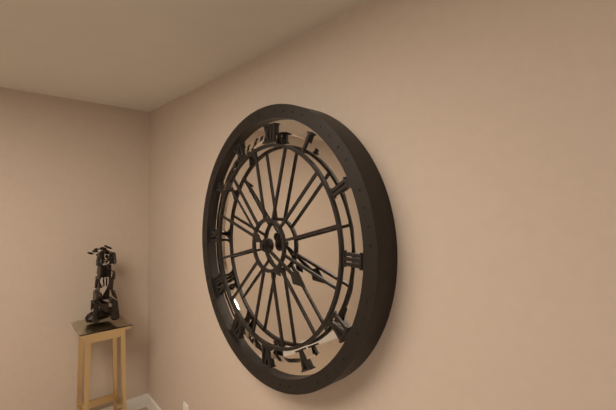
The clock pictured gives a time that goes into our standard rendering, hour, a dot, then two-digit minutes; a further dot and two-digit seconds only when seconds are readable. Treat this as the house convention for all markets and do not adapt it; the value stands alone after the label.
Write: 3.52
